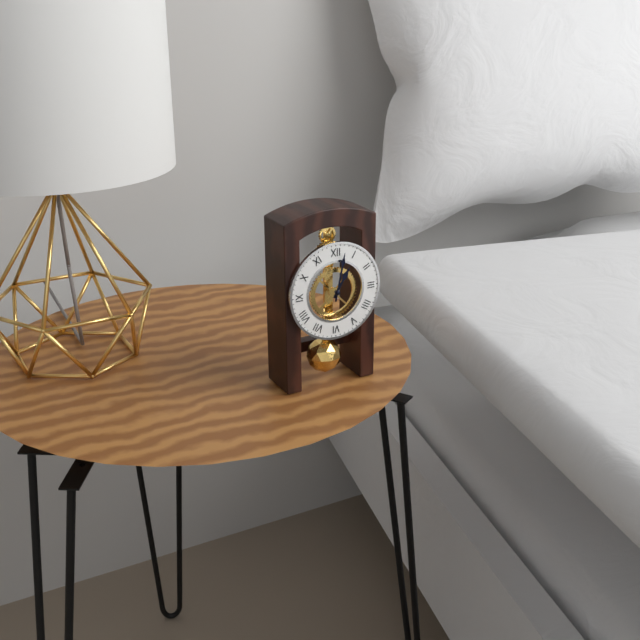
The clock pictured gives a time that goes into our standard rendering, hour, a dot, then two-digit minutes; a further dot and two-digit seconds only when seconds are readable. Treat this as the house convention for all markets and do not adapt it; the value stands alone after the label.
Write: 1.02
